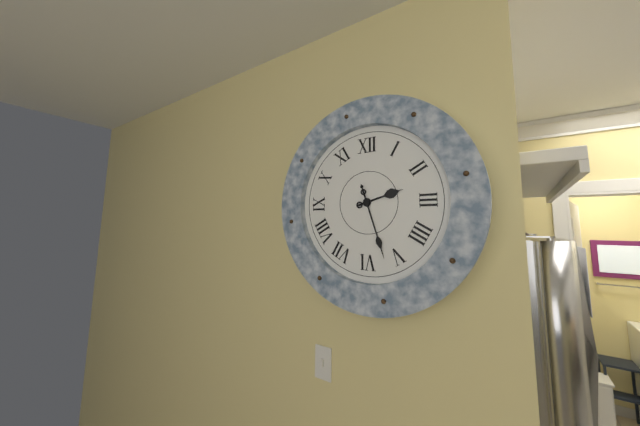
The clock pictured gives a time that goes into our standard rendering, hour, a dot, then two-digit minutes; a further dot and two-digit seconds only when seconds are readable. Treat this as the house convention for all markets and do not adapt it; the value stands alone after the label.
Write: 2.27
